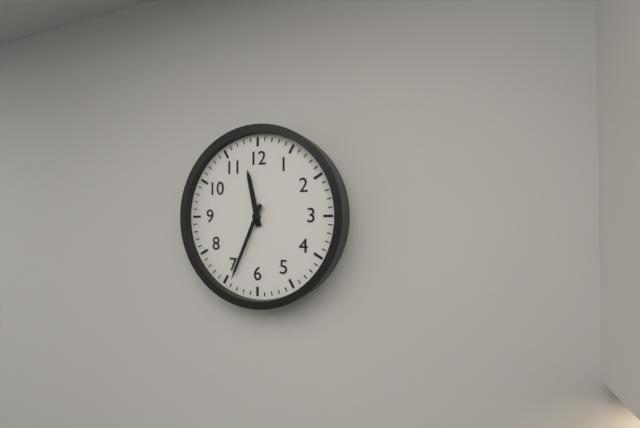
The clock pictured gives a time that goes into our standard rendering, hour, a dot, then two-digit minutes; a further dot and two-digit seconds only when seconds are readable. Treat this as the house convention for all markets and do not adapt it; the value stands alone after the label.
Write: 11.34
